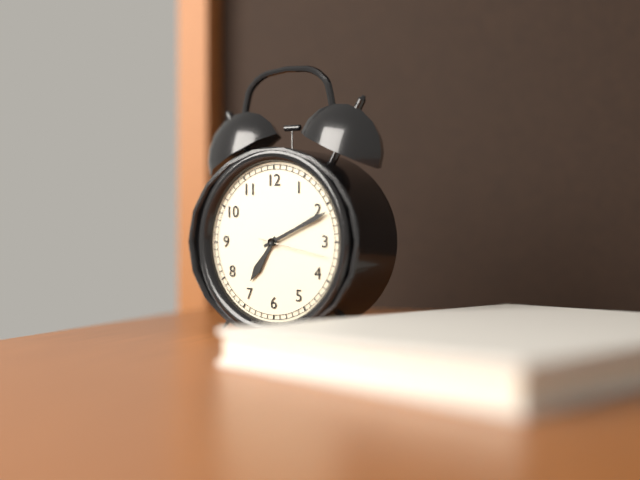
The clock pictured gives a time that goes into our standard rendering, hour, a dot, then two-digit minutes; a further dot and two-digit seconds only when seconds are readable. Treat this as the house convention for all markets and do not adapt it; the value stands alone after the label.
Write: 7.11.17
